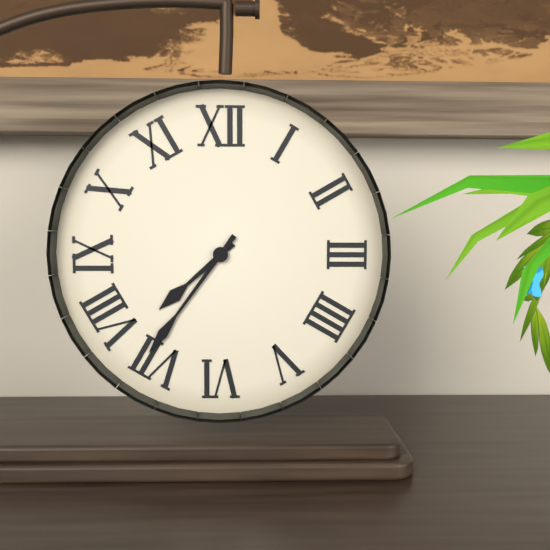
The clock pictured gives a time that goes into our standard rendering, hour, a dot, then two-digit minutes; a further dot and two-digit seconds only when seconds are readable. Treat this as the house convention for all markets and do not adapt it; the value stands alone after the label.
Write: 7.36
